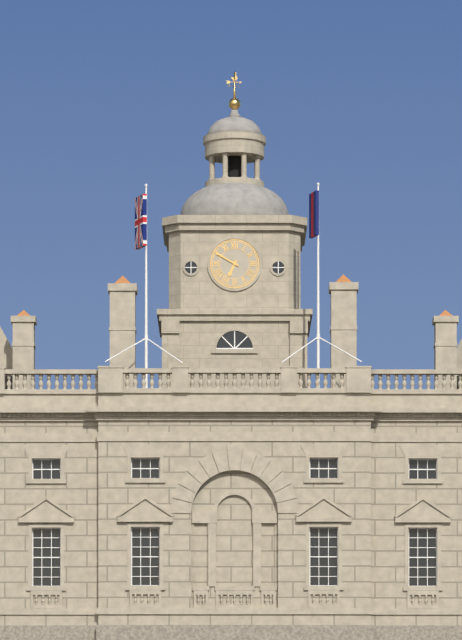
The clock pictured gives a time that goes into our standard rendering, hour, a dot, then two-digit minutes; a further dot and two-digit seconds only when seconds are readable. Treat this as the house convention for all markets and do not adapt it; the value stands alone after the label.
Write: 6.50
